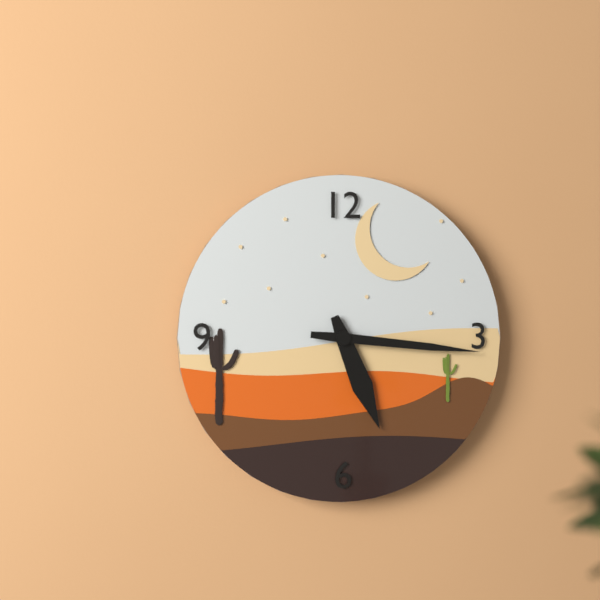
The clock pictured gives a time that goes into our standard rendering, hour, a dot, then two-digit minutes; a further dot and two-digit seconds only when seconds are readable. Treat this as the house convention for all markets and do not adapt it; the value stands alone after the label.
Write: 5.16
